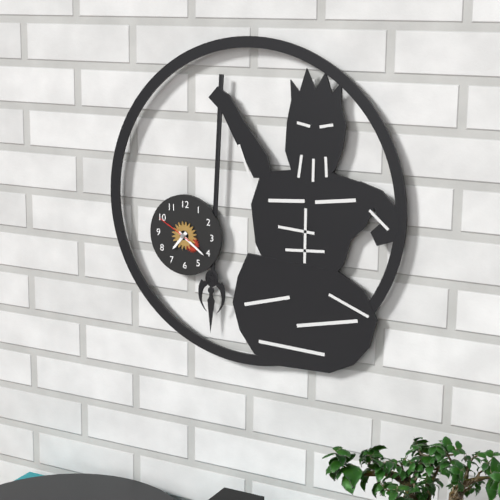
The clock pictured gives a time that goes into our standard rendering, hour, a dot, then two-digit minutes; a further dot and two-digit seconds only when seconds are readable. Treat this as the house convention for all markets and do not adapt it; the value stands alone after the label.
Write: 7.21
